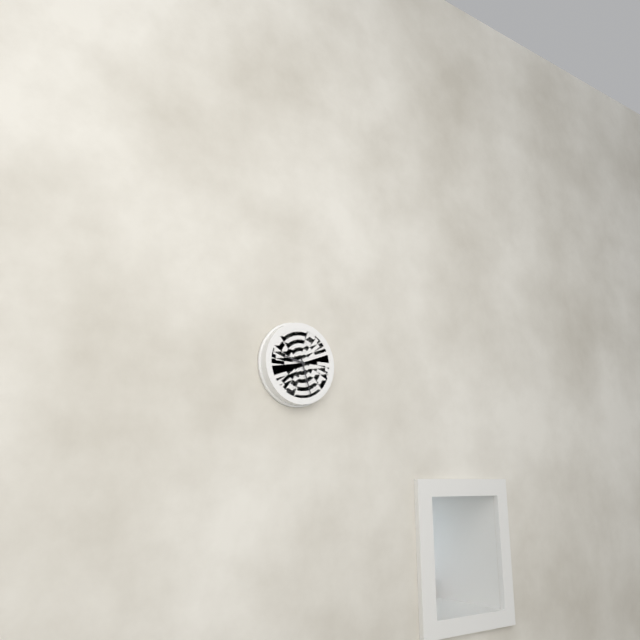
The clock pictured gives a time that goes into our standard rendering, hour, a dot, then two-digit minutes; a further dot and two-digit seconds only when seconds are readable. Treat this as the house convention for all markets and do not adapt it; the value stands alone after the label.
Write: 9.27
